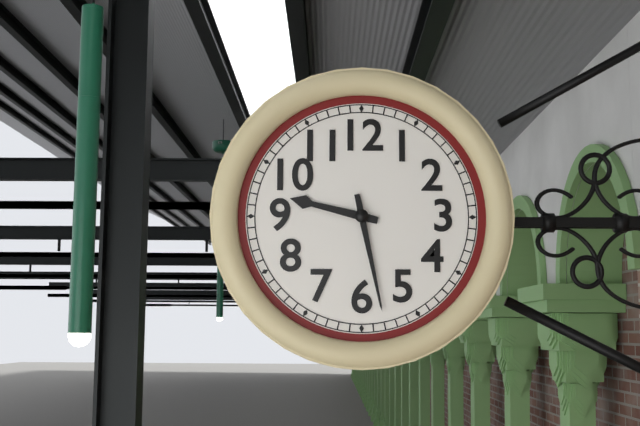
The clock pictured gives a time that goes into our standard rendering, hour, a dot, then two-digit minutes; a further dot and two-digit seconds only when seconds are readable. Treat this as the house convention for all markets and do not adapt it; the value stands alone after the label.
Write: 9.28
